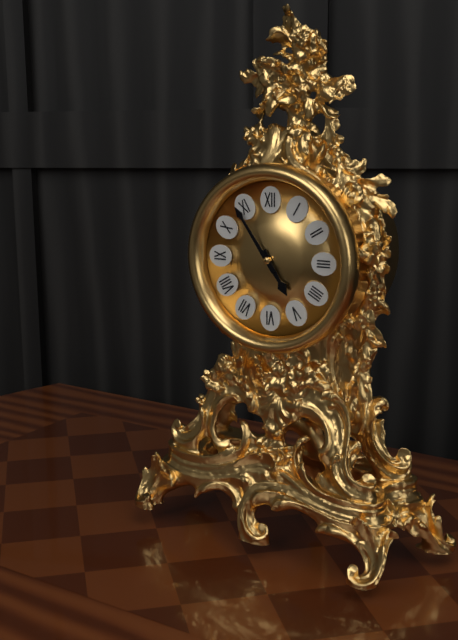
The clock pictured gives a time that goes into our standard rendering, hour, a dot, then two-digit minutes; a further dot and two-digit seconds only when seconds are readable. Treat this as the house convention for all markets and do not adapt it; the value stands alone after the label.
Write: 4.54
